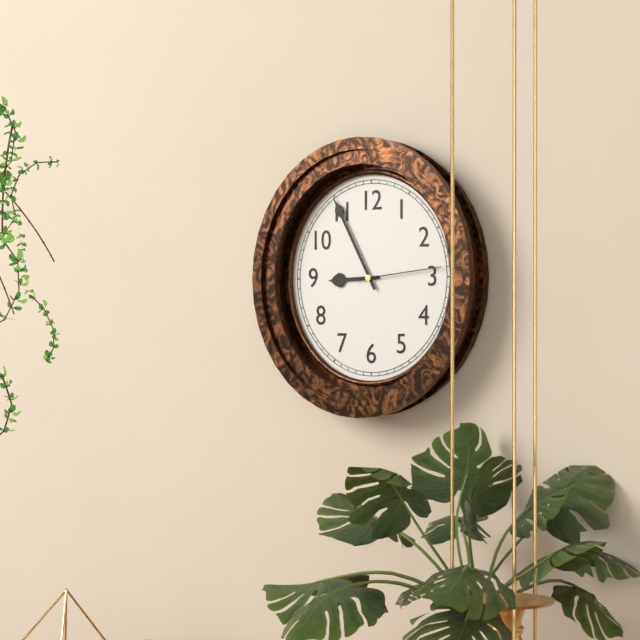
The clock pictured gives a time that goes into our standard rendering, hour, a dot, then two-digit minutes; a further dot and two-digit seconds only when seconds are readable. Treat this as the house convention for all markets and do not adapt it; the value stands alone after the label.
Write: 8.55.14
